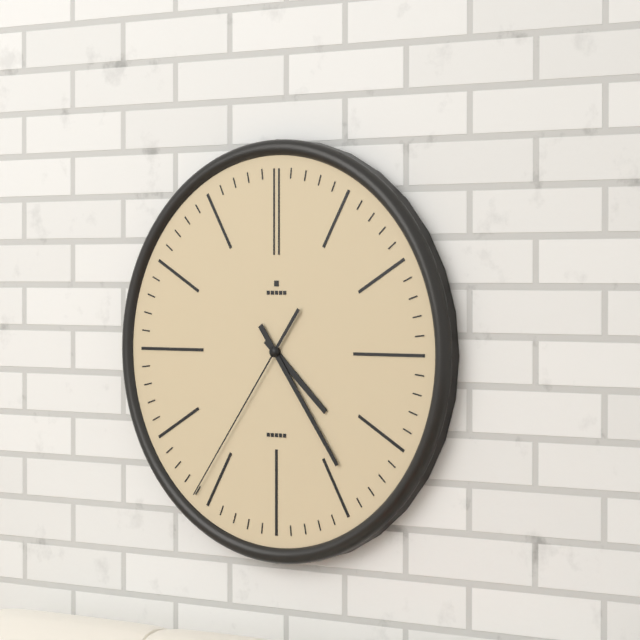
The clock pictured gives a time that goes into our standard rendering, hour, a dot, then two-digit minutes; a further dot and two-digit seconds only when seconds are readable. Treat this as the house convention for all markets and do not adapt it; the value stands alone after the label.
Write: 4.24.36
